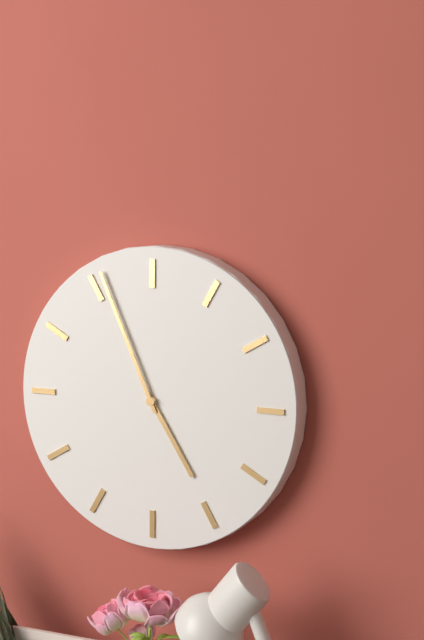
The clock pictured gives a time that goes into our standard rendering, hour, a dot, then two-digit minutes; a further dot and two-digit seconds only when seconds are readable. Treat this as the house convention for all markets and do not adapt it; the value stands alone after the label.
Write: 4.56
